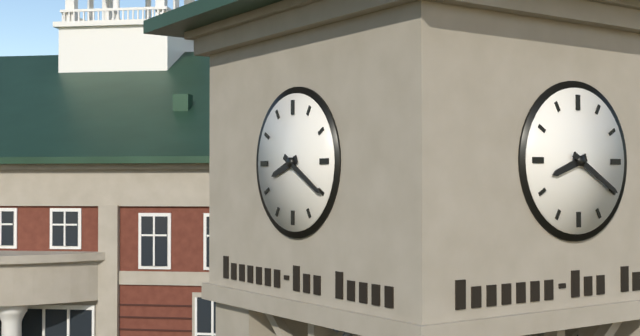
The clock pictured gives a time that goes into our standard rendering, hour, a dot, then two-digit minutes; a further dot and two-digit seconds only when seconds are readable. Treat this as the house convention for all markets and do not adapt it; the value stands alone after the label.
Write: 8.20
